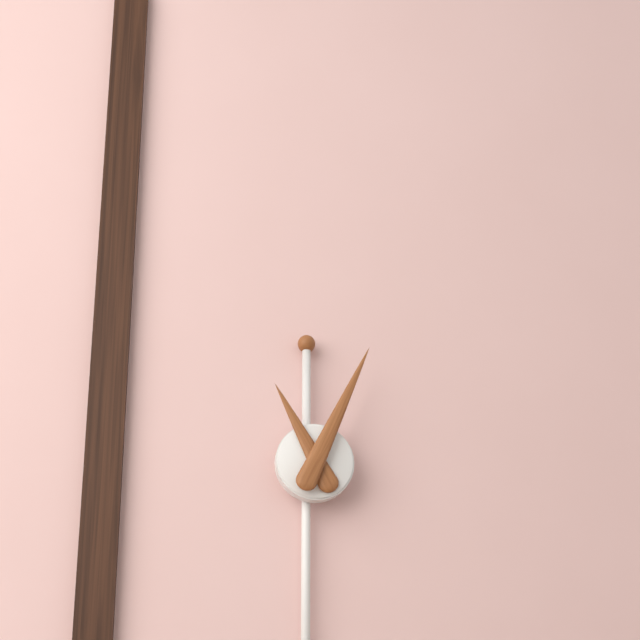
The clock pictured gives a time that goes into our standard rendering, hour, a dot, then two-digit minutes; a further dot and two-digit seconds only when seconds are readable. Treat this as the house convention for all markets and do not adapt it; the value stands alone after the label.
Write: 11.04
